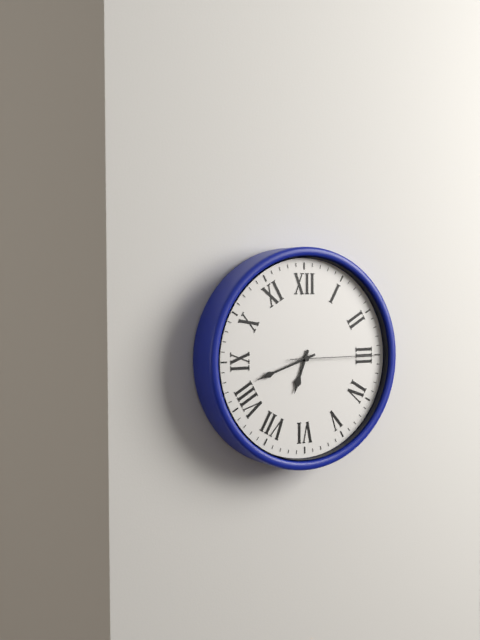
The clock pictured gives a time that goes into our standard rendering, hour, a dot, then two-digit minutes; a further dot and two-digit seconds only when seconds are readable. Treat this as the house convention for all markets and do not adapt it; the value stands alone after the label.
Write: 6.42.15
